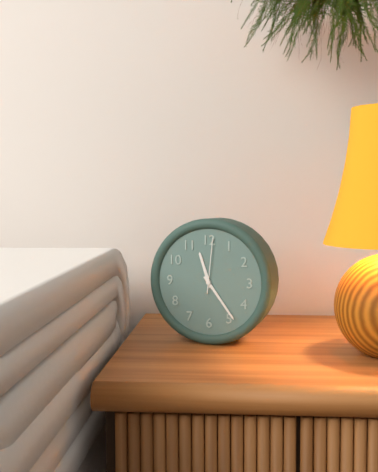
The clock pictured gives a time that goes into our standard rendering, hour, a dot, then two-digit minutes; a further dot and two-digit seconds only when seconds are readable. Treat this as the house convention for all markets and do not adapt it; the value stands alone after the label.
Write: 11.24.01
